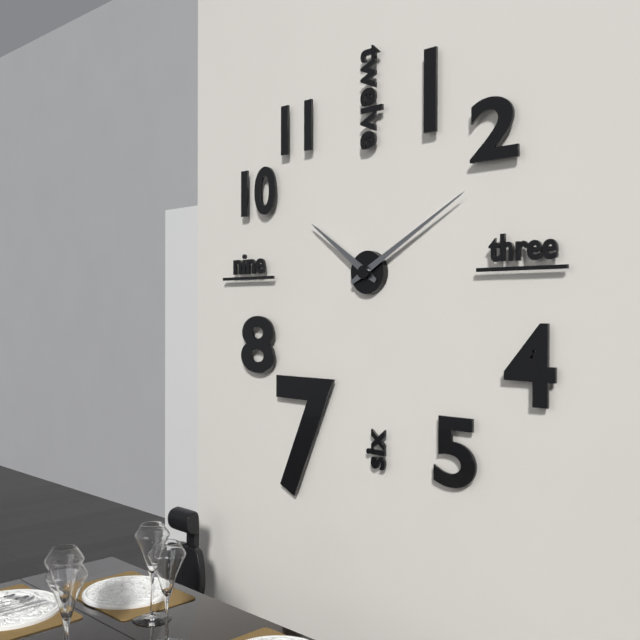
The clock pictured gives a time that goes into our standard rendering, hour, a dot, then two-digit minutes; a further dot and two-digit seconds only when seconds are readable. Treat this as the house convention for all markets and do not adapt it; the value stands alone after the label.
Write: 10.10
